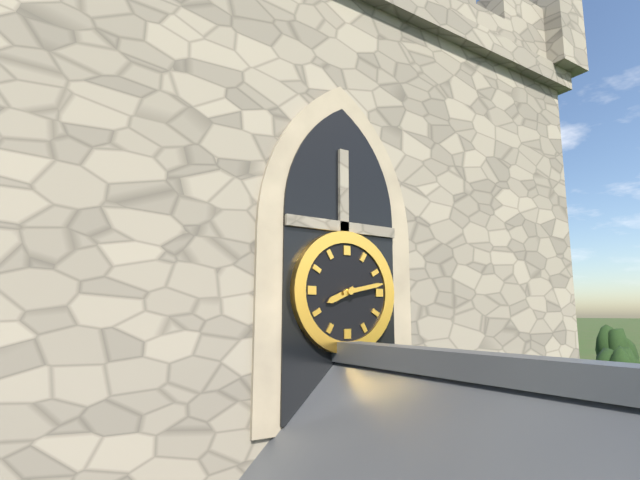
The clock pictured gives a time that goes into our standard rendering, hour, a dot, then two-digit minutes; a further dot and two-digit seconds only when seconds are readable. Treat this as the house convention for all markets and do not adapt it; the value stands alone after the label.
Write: 8.13
